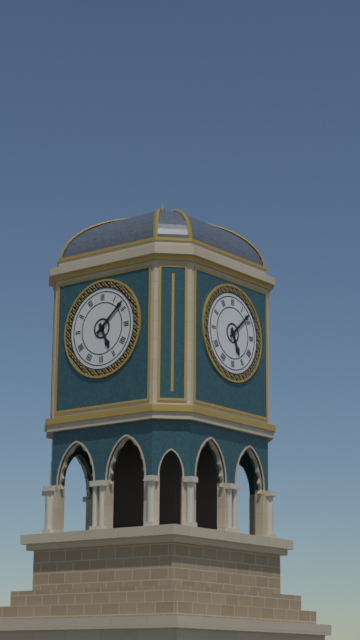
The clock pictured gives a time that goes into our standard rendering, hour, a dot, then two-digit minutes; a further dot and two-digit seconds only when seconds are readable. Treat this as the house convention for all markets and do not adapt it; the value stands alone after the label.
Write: 5.08
